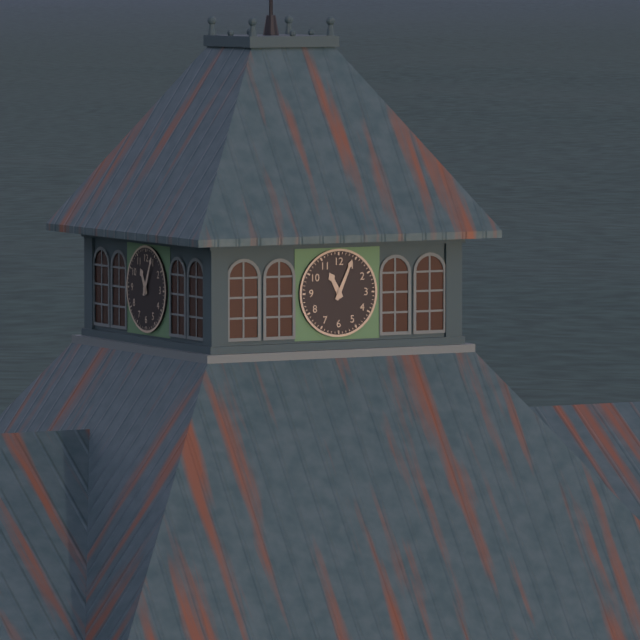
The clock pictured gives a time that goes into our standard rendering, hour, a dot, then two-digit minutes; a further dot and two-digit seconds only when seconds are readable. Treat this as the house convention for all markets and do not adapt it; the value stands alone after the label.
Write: 11.04
